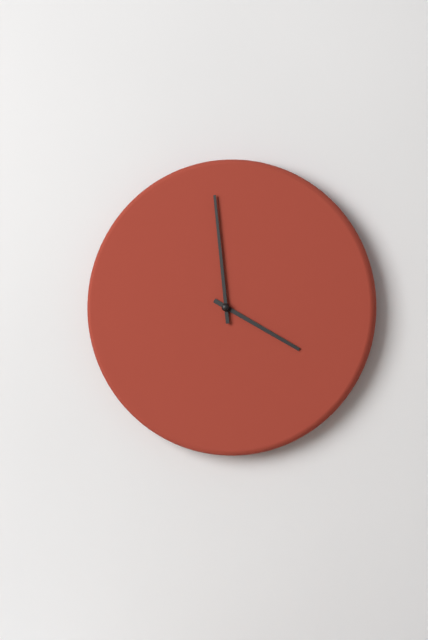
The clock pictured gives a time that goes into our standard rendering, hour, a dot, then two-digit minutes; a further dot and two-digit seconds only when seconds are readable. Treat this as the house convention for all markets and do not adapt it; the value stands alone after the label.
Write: 3.59
